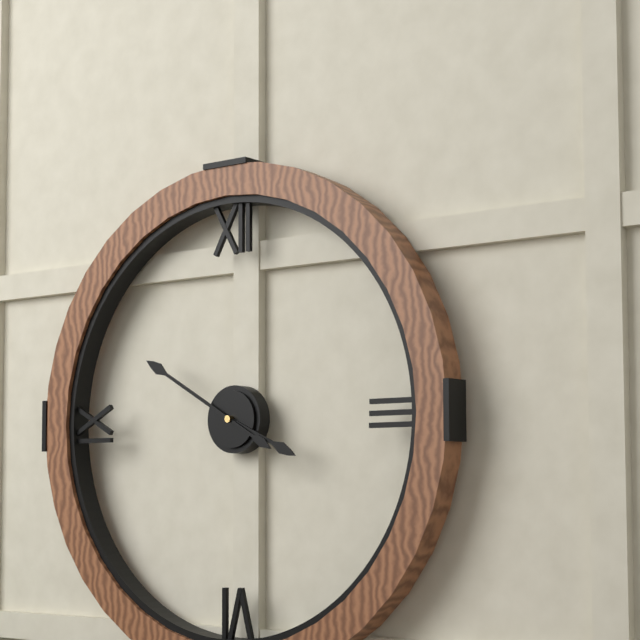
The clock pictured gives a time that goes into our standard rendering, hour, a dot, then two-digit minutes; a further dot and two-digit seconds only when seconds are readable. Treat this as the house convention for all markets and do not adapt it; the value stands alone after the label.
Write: 3.50
